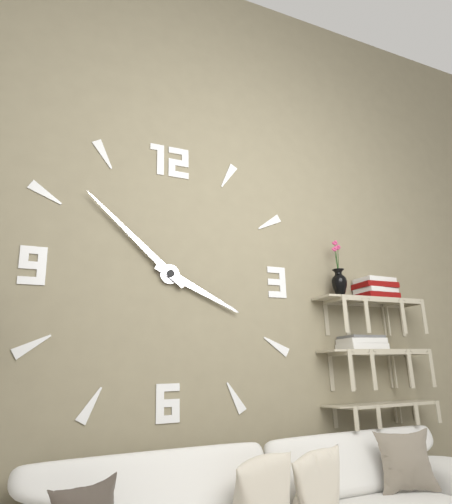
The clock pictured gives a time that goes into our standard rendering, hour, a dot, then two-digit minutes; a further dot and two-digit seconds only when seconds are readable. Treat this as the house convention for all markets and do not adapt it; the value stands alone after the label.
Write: 3.52
